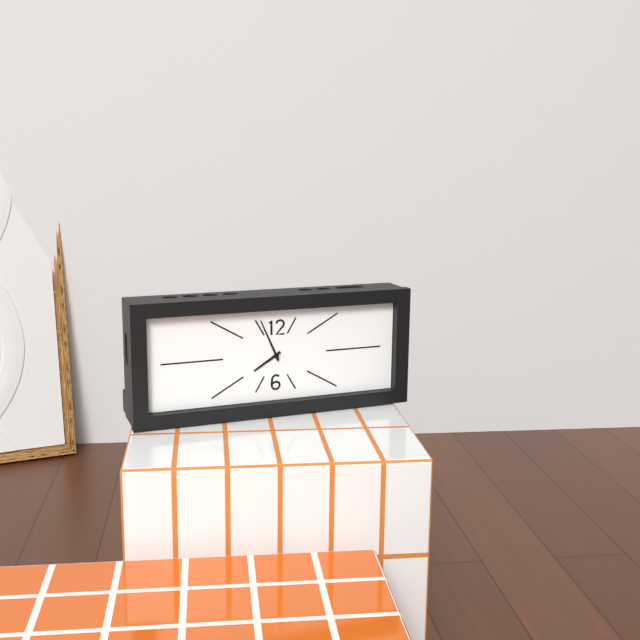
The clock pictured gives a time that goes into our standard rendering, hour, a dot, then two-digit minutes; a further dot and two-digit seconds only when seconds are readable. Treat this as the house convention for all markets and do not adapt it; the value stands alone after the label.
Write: 7.56
